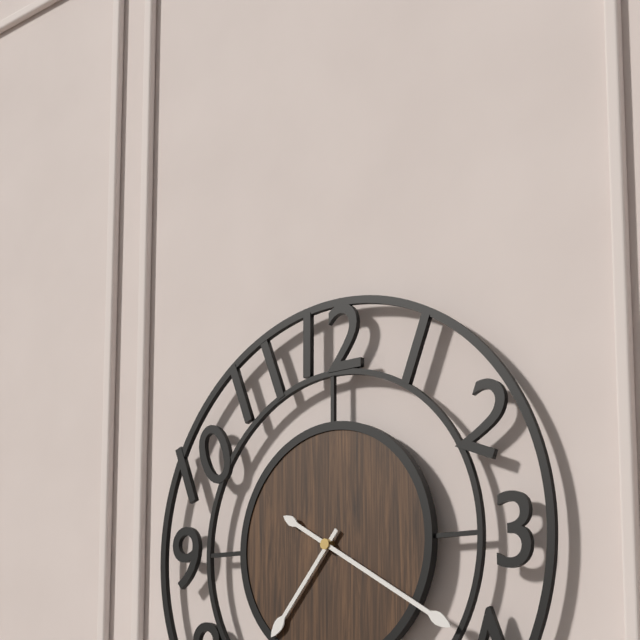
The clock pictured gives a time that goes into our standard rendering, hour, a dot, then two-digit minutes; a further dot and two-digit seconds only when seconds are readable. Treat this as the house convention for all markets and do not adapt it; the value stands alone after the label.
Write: 7.20
